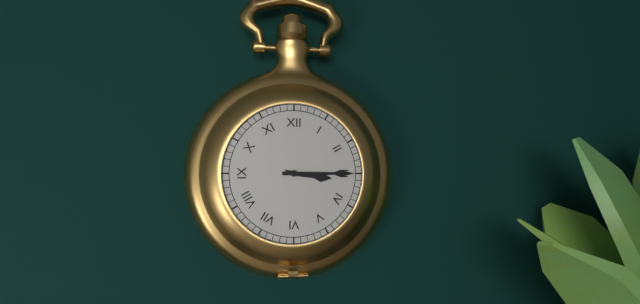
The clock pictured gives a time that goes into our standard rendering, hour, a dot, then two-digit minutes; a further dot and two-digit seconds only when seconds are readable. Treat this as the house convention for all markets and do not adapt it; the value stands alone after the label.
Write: 3.15
